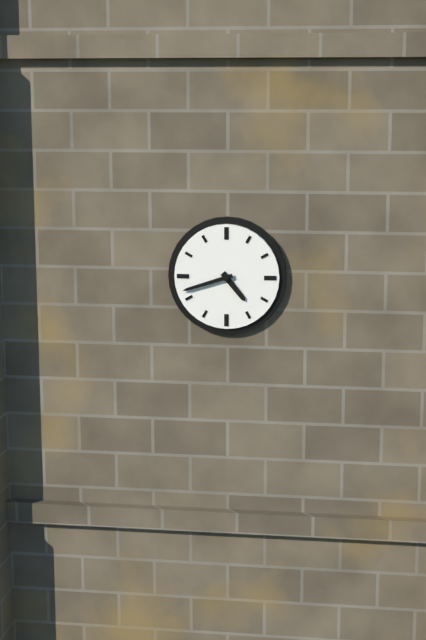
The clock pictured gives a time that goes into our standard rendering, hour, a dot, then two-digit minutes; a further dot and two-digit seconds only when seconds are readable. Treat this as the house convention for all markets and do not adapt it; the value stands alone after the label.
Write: 4.42
